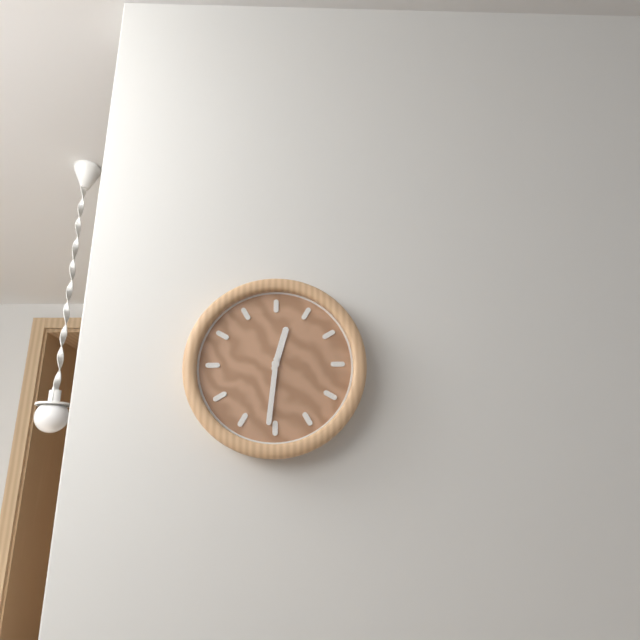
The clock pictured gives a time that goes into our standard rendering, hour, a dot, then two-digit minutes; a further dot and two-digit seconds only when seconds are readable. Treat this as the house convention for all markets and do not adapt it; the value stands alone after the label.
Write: 12.31
